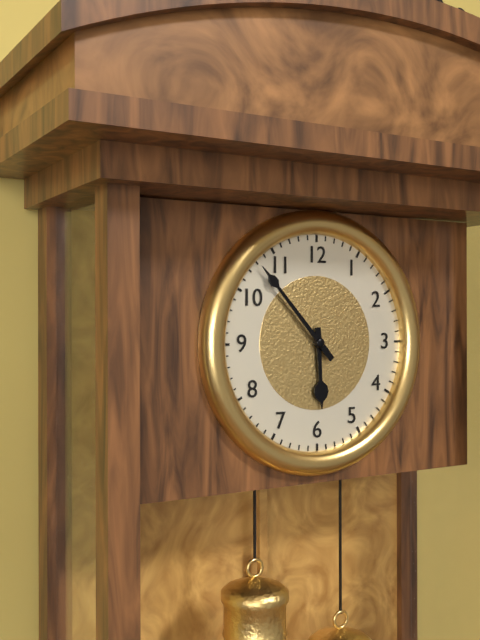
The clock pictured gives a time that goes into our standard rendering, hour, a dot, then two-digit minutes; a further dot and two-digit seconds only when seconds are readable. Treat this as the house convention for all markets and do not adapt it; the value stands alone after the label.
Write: 5.53
